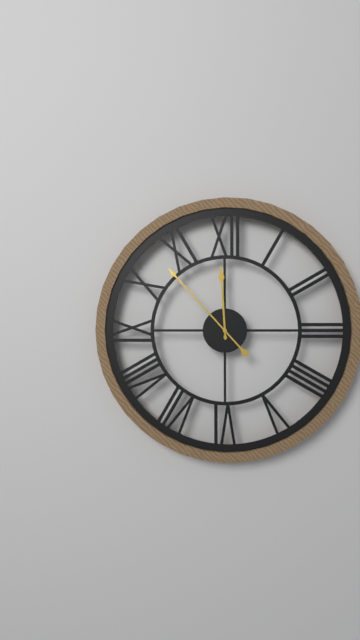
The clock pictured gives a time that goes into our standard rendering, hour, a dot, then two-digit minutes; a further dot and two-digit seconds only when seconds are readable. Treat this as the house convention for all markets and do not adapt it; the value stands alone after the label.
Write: 11.53
